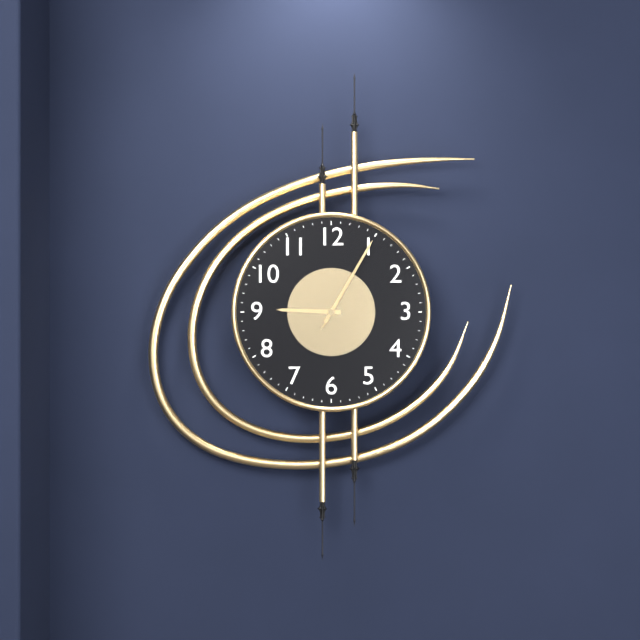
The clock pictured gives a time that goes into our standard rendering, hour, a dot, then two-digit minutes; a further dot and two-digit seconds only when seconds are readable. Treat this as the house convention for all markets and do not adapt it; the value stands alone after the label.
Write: 9.05.05
